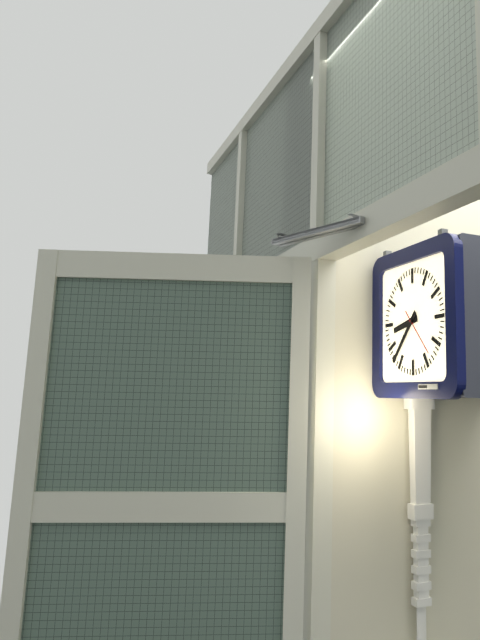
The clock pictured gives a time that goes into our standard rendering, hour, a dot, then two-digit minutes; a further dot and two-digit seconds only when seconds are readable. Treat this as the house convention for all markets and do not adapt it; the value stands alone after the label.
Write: 8.37
